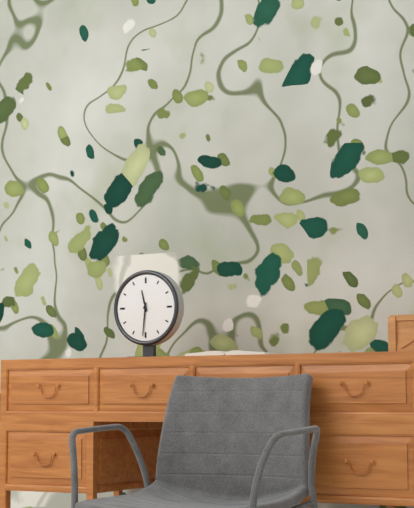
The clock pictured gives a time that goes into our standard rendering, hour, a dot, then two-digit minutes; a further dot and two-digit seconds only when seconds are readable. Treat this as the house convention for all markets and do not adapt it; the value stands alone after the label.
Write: 11.31
